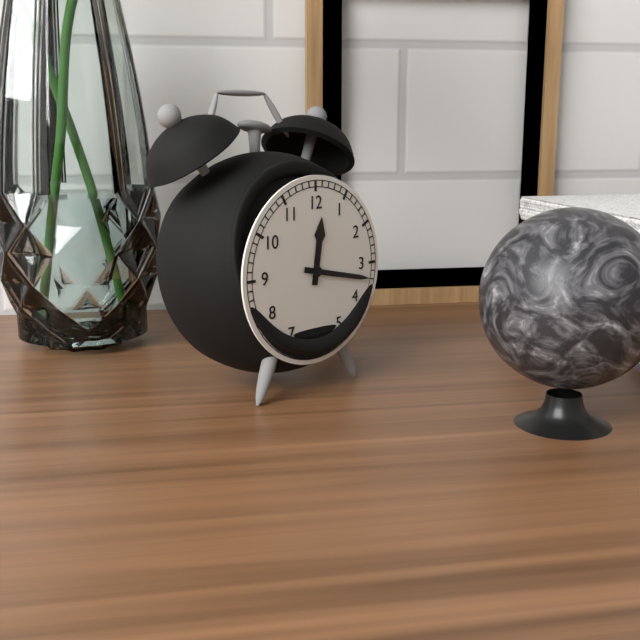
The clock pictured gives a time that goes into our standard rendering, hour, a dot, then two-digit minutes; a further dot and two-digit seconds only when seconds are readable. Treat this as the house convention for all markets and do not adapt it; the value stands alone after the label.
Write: 12.17
